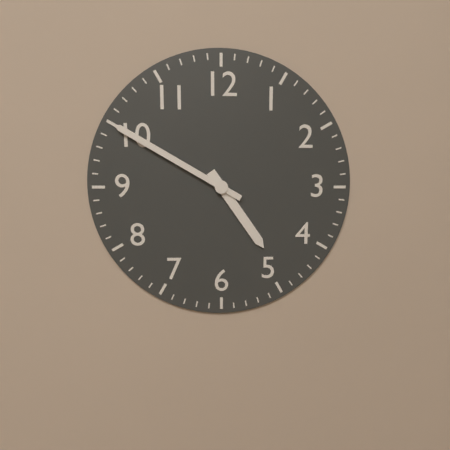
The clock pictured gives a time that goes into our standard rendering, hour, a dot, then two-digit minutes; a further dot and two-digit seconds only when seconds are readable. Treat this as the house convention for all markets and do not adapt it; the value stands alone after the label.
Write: 4.50
